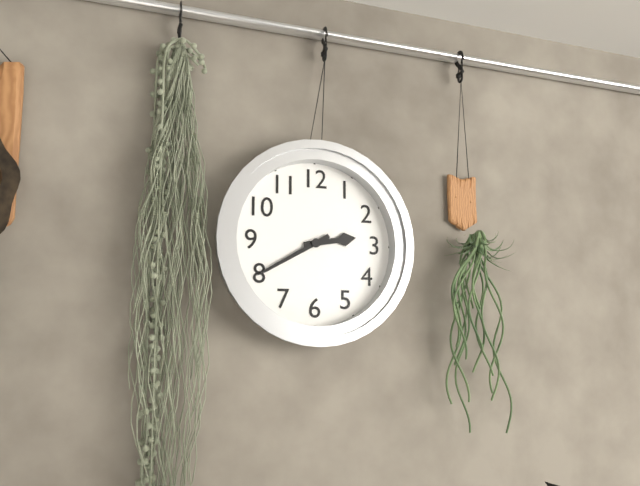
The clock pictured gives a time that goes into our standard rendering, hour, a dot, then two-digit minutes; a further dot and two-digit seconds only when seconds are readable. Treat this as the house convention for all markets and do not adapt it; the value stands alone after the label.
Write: 2.40
